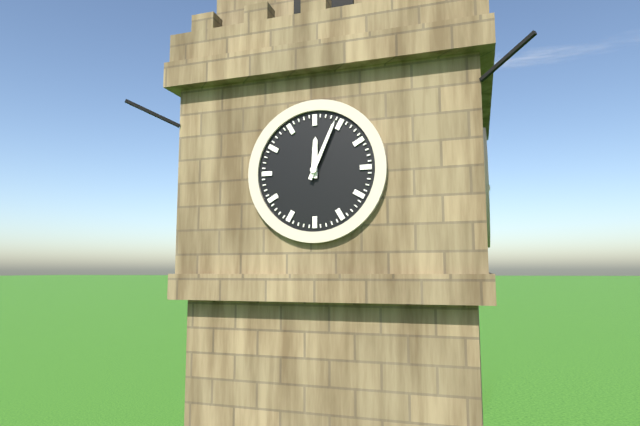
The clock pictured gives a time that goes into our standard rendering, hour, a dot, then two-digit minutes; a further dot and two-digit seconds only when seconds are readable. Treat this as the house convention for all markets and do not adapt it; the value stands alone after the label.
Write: 12.04
